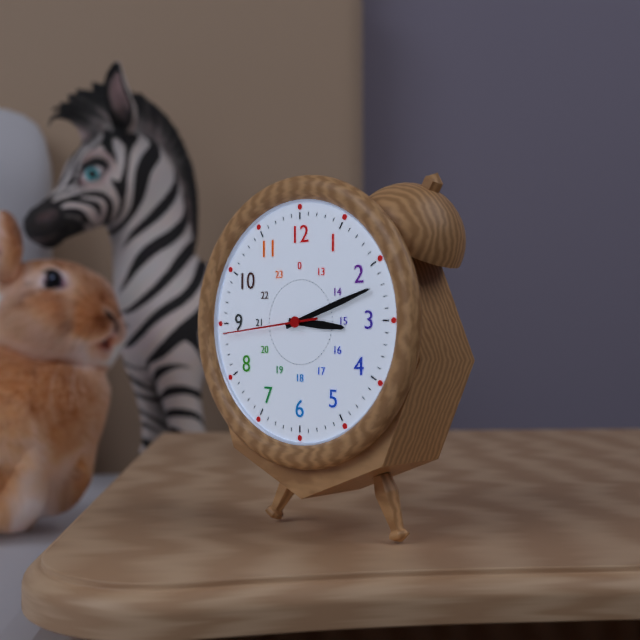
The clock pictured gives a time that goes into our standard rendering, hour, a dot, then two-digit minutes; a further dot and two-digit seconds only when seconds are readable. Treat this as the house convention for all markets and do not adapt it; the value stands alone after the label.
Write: 3.12.44
